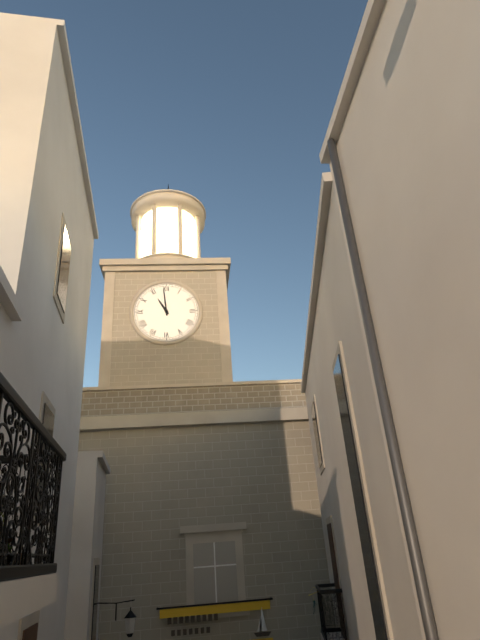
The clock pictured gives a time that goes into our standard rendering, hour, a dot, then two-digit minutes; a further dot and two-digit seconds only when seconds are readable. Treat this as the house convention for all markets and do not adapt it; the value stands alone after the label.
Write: 10.59
